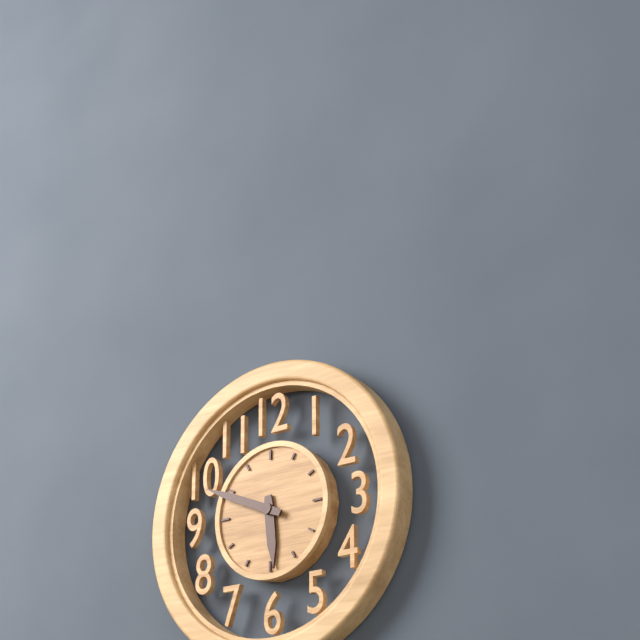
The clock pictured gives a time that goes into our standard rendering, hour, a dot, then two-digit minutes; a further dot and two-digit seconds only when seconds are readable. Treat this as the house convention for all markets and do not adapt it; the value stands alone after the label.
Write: 5.49
